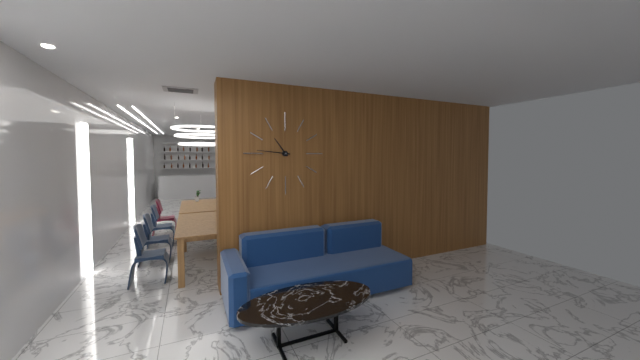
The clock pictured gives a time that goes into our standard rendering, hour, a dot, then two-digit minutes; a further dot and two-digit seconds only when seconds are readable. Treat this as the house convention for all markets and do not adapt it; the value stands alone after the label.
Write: 10.46
